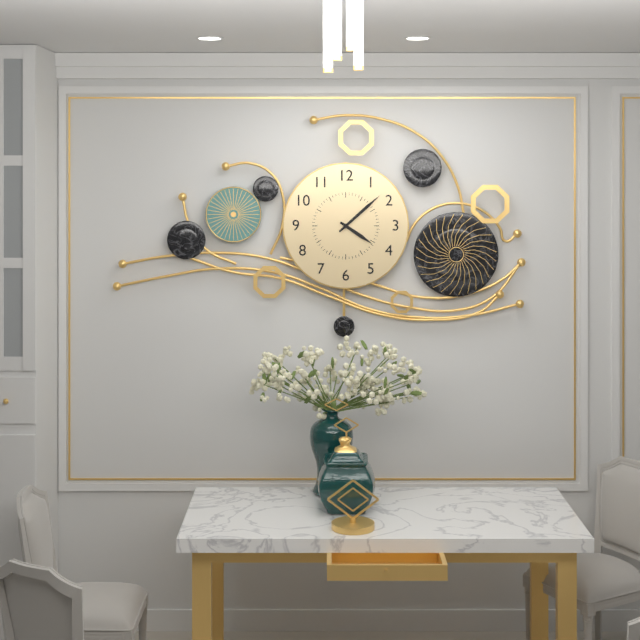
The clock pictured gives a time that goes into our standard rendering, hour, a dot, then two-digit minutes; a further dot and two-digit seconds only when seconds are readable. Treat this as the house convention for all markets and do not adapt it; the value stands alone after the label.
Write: 4.08
